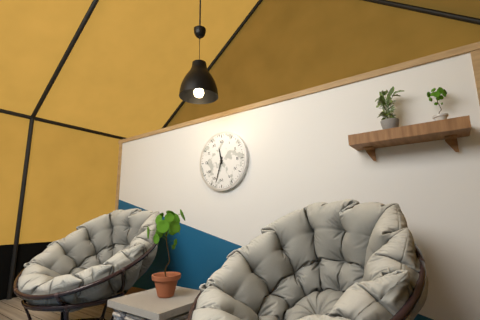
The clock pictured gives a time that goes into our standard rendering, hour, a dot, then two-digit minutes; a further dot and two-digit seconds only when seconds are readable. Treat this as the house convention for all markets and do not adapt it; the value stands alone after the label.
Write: 11.33
